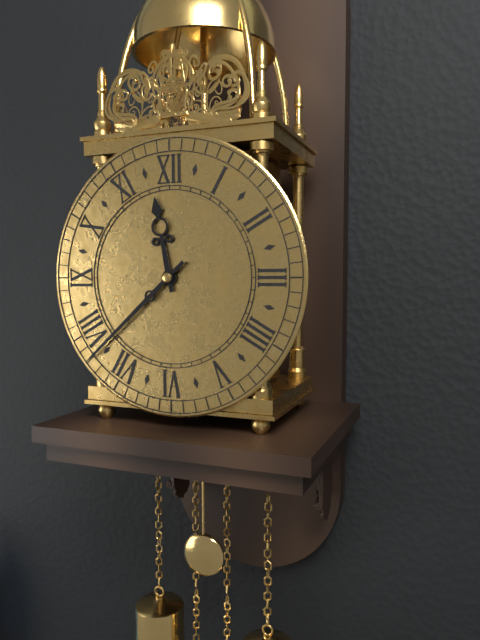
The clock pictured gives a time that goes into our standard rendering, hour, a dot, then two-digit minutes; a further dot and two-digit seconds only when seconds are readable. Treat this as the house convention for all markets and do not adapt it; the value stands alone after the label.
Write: 11.38
